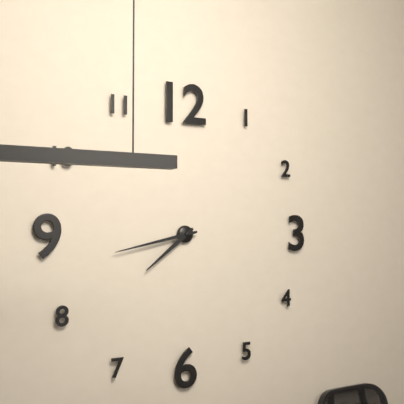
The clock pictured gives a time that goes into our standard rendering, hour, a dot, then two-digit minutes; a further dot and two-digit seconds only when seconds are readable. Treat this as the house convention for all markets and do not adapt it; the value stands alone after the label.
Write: 7.43
